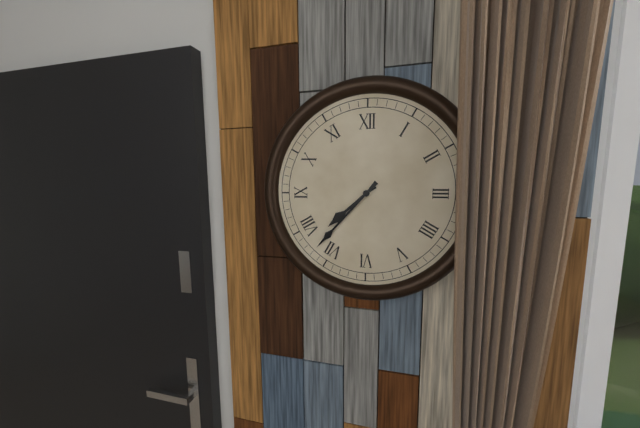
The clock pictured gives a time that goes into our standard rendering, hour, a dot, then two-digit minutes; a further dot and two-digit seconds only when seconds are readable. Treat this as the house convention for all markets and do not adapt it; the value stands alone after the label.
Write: 7.37
